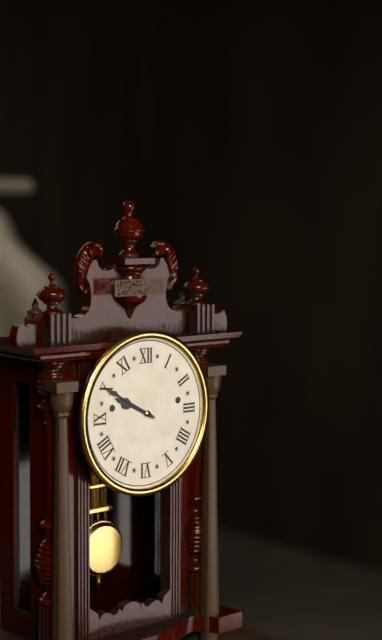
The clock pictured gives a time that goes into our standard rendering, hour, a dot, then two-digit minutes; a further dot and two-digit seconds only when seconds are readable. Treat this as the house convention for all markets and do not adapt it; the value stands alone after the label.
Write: 9.50
